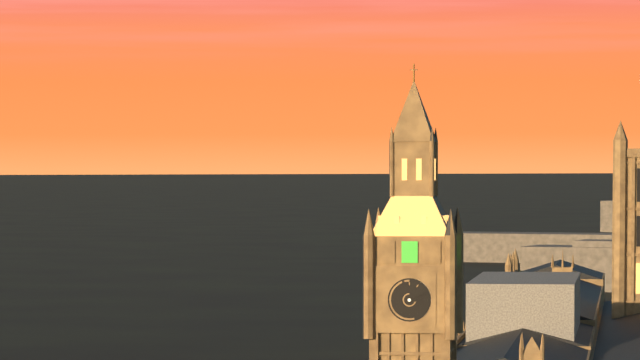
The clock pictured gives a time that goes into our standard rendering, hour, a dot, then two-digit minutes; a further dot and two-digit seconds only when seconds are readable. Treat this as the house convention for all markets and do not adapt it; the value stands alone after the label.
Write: 3.11
